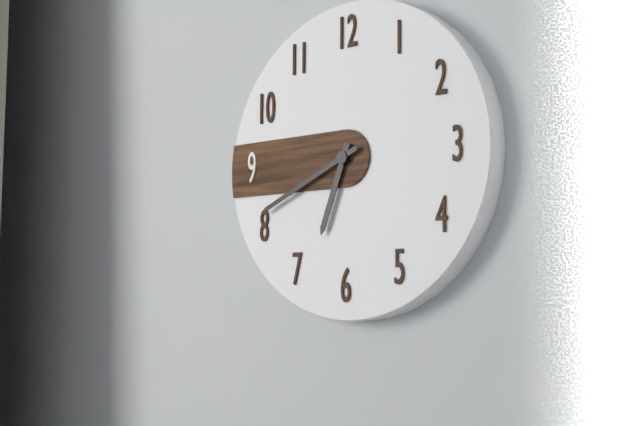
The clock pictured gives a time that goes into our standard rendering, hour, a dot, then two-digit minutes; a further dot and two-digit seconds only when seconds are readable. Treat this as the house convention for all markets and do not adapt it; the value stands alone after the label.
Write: 6.41
